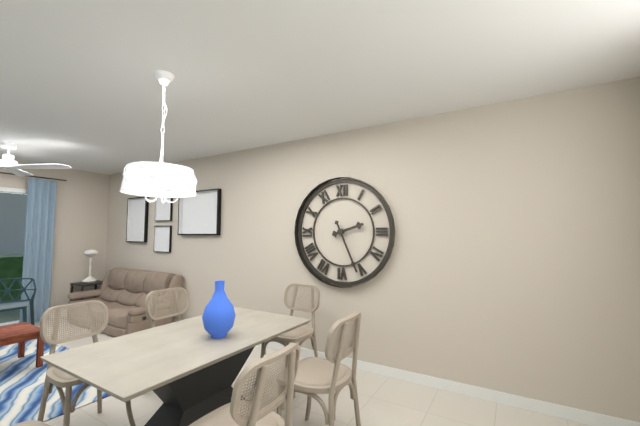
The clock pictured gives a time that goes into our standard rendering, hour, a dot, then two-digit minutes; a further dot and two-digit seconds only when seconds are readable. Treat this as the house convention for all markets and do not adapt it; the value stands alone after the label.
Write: 2.26
